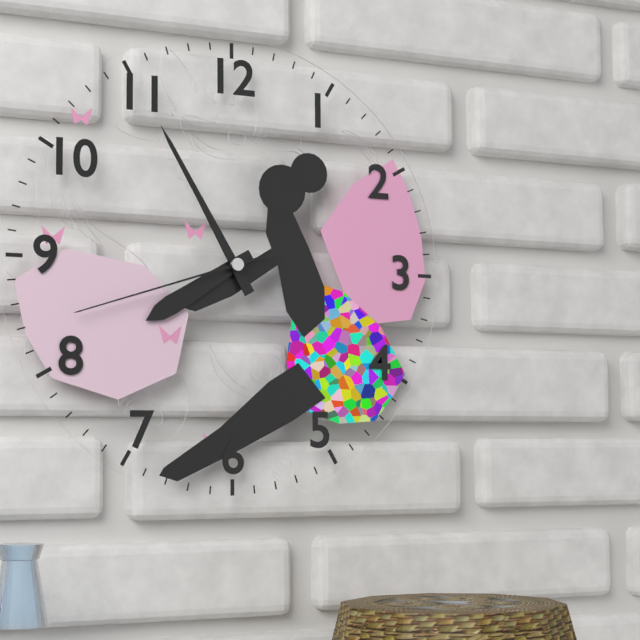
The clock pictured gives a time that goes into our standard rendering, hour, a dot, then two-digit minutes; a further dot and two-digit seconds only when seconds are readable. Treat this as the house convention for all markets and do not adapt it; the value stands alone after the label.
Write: 7.55.42
